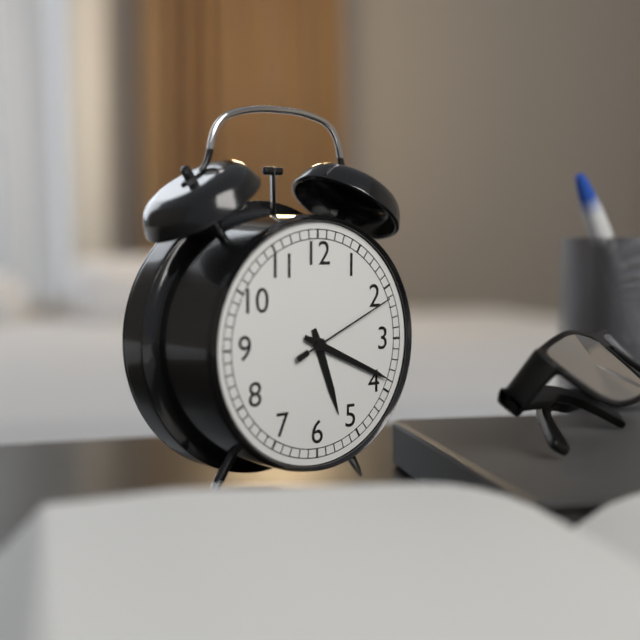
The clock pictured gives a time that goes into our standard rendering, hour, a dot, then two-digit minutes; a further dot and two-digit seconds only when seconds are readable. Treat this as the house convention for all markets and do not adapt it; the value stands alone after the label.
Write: 5.19.11
